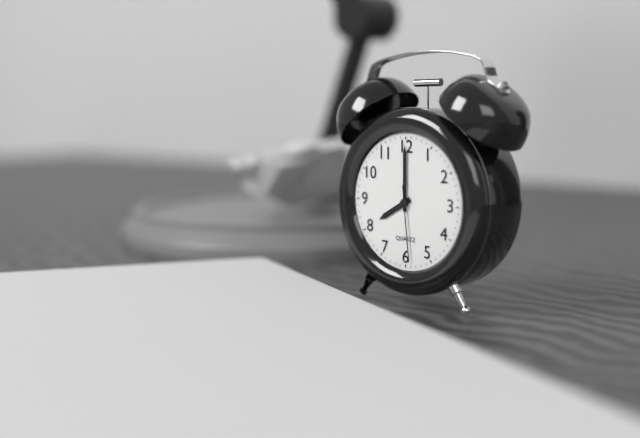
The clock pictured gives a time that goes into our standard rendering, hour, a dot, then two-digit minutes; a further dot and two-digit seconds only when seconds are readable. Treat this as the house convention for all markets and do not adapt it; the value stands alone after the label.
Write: 8.00.29
